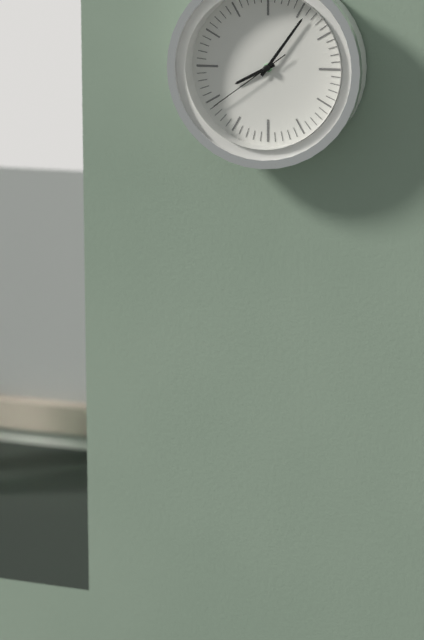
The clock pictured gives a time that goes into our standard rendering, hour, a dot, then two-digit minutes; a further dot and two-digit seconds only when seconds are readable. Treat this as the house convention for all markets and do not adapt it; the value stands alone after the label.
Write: 8.06.39
